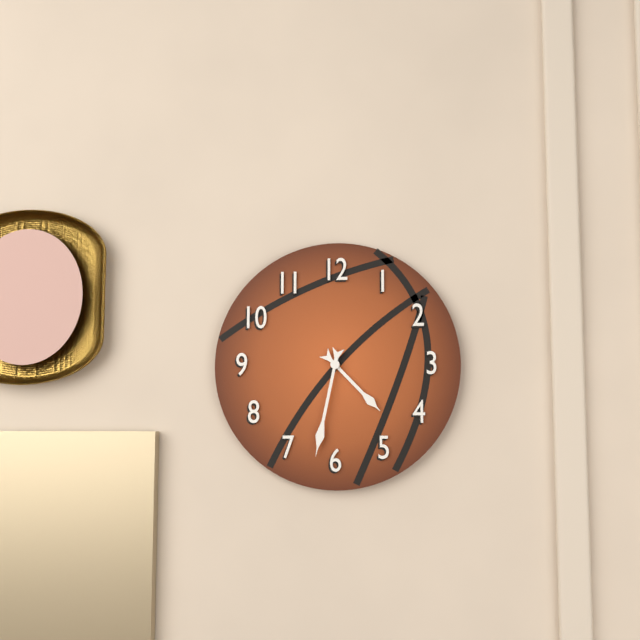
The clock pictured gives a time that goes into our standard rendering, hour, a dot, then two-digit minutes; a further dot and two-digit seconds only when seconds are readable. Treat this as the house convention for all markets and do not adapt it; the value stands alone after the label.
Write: 4.32
